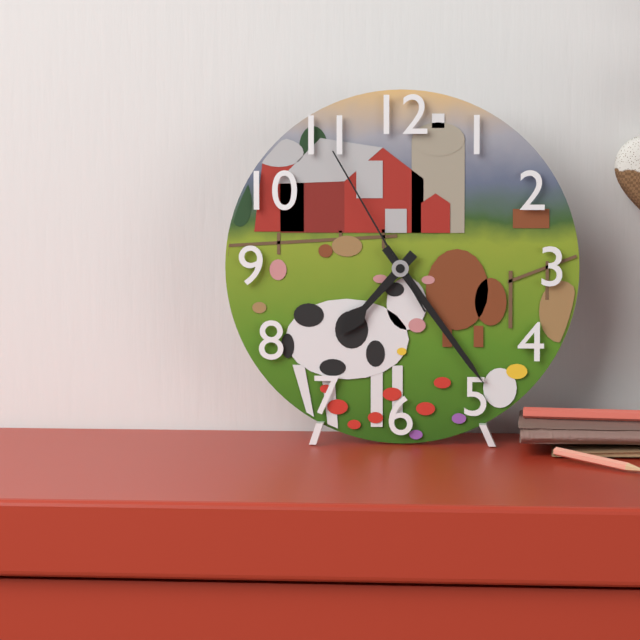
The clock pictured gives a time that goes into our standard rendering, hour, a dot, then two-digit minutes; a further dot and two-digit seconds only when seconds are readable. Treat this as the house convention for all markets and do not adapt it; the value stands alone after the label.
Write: 7.24.55
